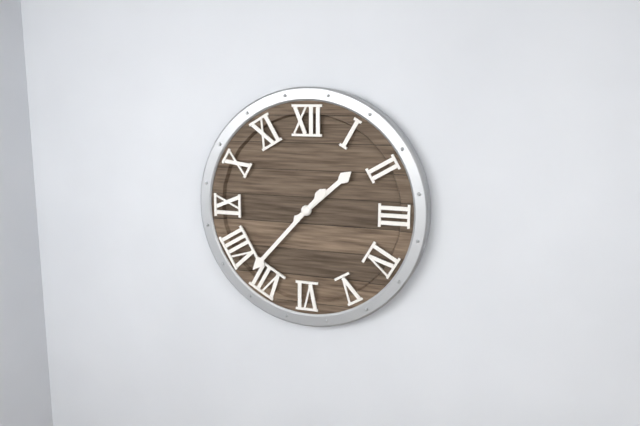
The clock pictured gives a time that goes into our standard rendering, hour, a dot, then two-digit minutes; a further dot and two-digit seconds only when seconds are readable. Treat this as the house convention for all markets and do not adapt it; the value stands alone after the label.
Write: 1.37
